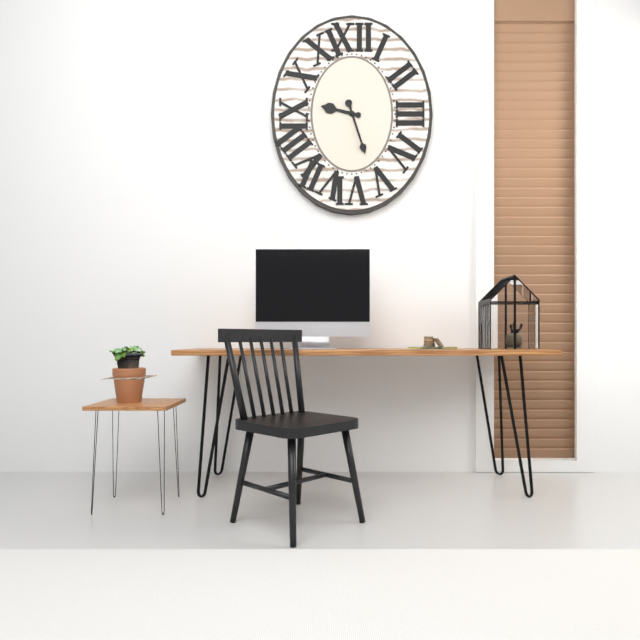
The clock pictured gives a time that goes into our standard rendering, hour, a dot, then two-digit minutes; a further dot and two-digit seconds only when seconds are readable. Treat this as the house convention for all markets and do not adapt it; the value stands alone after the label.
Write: 9.27
